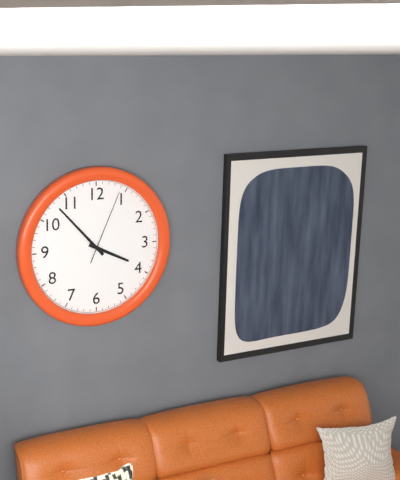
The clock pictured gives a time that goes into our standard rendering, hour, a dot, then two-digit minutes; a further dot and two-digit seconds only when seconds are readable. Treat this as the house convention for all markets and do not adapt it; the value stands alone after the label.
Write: 3.53.04
